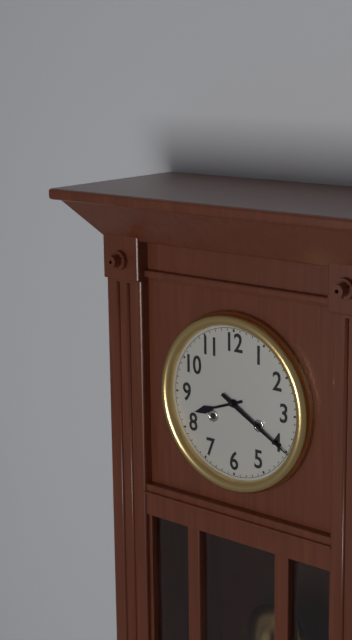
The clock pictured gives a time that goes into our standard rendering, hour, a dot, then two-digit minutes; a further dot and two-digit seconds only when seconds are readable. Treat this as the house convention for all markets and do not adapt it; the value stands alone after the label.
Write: 8.20
